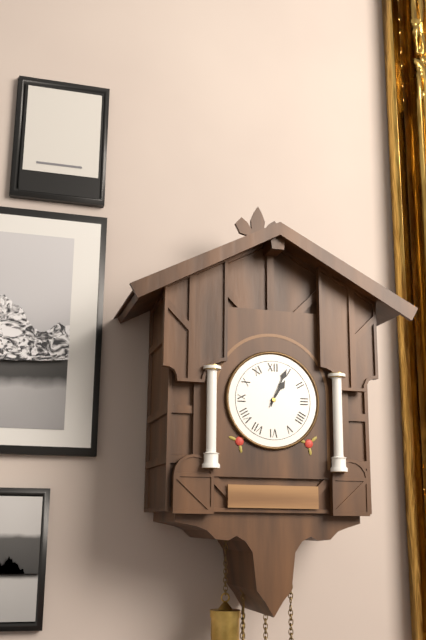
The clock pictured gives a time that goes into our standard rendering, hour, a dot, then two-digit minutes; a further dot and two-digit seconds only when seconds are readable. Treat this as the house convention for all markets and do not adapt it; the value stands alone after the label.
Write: 1.04
